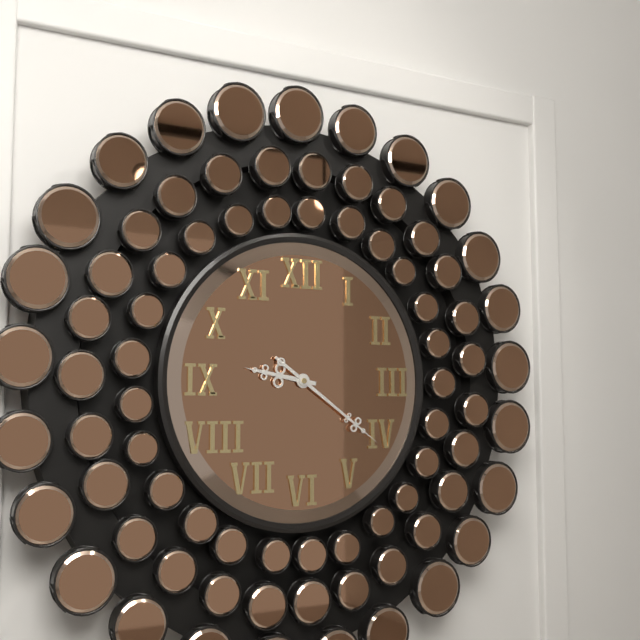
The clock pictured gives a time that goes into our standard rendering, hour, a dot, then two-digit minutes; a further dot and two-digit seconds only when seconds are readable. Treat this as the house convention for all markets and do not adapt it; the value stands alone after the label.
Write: 9.21
